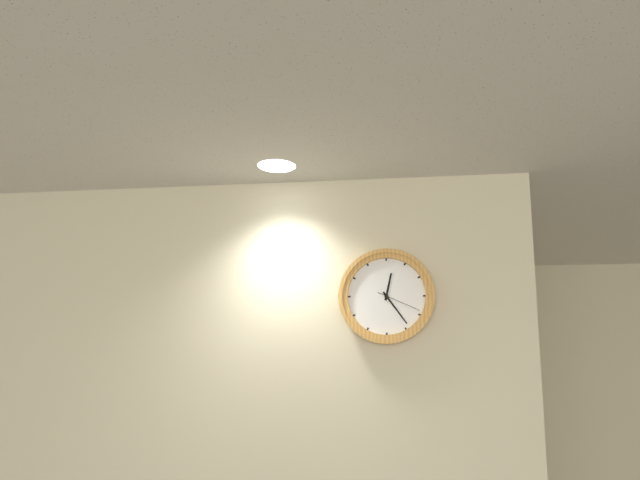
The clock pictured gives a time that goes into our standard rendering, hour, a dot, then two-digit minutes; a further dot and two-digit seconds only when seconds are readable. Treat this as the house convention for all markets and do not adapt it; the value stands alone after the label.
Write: 12.24
